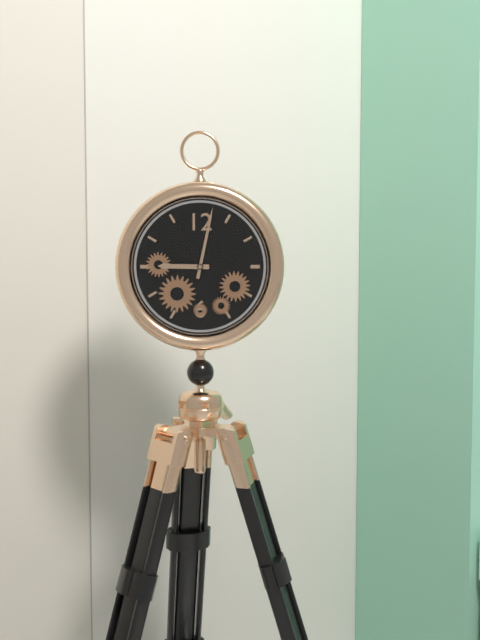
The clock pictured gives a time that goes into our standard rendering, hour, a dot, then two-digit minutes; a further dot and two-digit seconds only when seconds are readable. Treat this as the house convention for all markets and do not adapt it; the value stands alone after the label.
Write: 9.02
